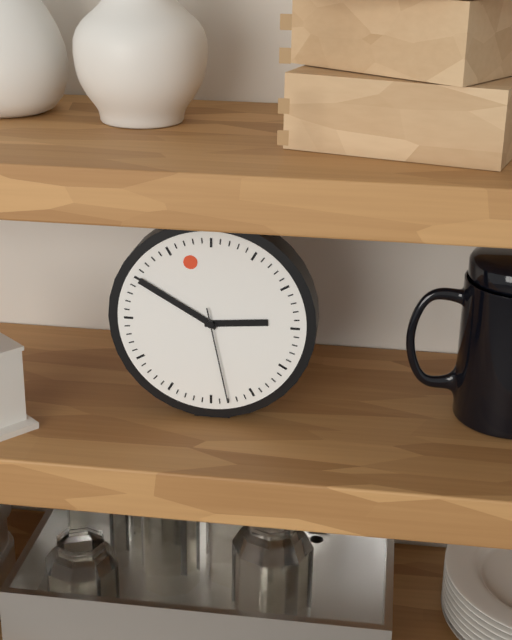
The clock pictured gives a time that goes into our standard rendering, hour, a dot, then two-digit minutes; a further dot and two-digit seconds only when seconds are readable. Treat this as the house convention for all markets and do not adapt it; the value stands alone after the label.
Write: 2.50.28
